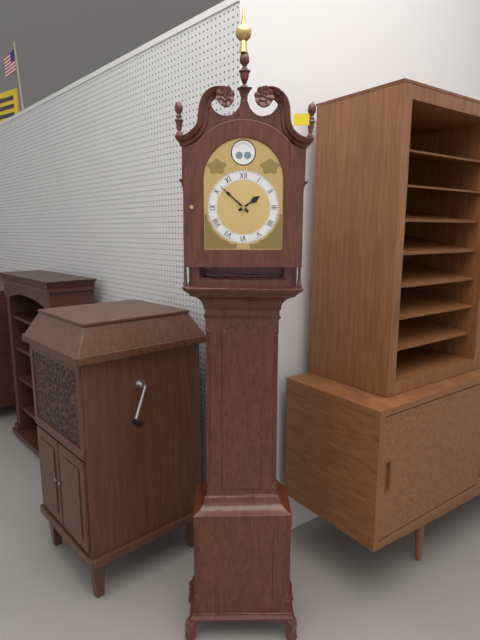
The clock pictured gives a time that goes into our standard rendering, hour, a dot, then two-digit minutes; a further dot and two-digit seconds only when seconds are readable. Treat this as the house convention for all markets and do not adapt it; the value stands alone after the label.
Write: 1.52
